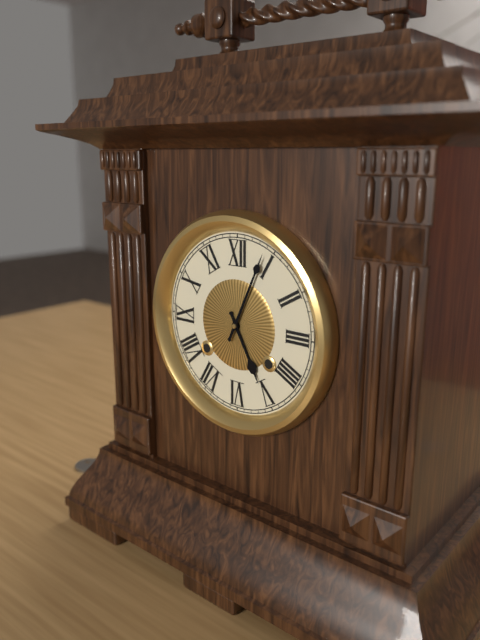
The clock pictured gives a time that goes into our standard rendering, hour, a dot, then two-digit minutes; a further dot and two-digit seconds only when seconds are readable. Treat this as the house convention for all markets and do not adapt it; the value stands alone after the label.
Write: 5.04
